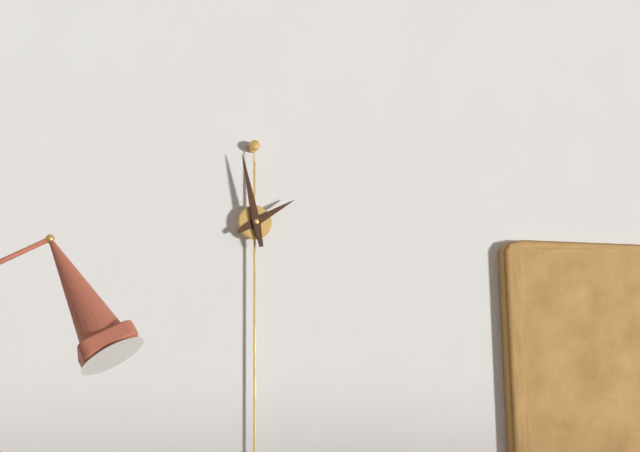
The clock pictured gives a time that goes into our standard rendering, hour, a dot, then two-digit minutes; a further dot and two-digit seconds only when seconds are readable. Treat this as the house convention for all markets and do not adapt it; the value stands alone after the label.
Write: 1.58
